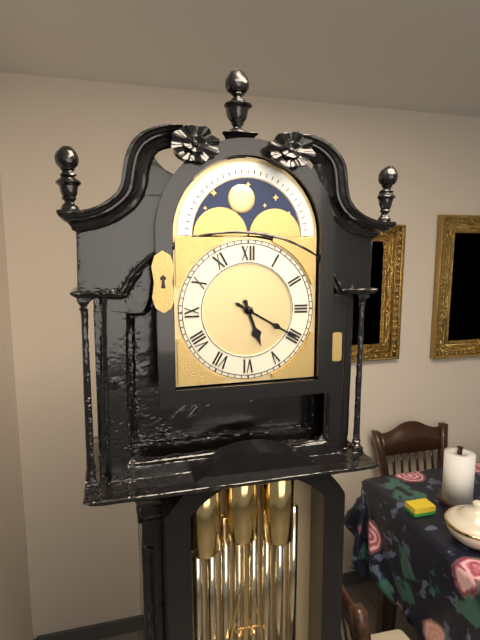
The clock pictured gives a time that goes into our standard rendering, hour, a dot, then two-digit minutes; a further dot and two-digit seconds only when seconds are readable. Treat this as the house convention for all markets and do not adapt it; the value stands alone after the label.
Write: 5.20
